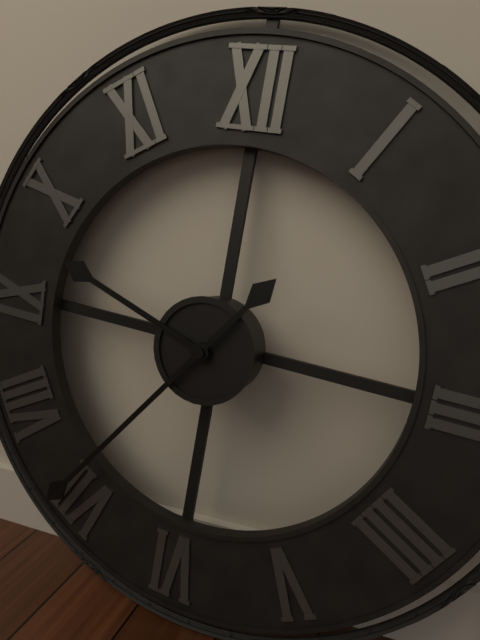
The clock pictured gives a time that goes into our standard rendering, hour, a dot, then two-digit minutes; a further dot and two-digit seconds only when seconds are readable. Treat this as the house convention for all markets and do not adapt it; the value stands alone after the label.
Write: 9.36
